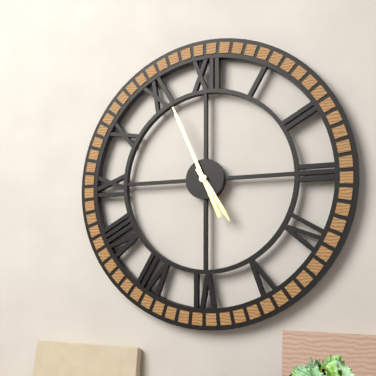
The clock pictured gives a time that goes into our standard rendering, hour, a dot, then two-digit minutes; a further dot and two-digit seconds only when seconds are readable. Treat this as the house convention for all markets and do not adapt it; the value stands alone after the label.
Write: 4.56
